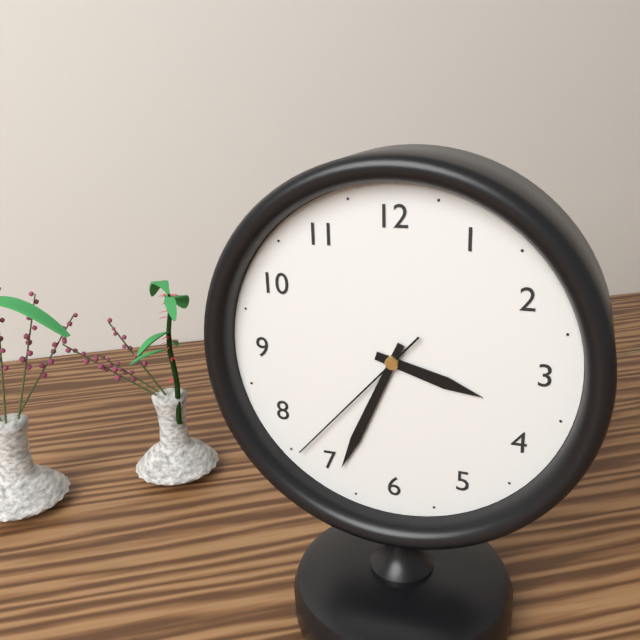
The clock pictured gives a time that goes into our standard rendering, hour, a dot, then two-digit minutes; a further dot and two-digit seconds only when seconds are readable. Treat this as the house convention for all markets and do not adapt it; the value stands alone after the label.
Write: 3.34.37
